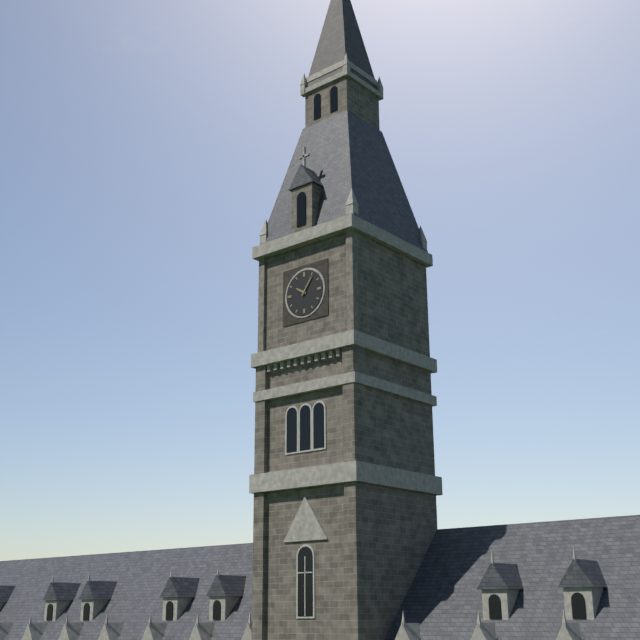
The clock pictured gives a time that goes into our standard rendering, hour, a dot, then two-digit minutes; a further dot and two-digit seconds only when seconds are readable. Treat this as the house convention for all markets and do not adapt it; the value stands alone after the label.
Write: 10.06
